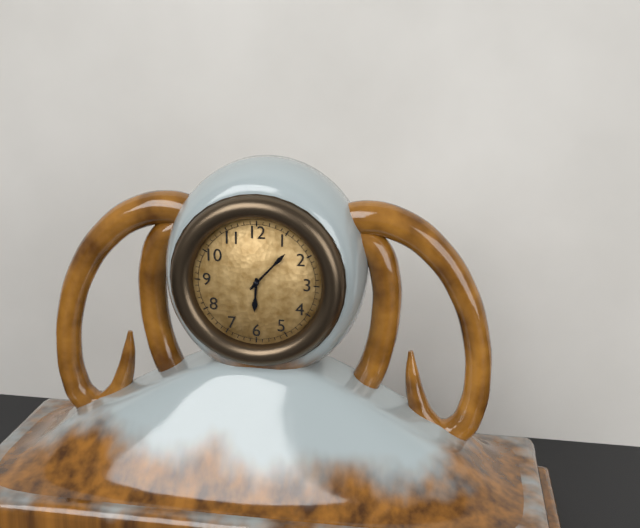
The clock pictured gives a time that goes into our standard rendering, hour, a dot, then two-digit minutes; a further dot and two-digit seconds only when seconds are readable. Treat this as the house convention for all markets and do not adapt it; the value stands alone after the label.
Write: 6.07
